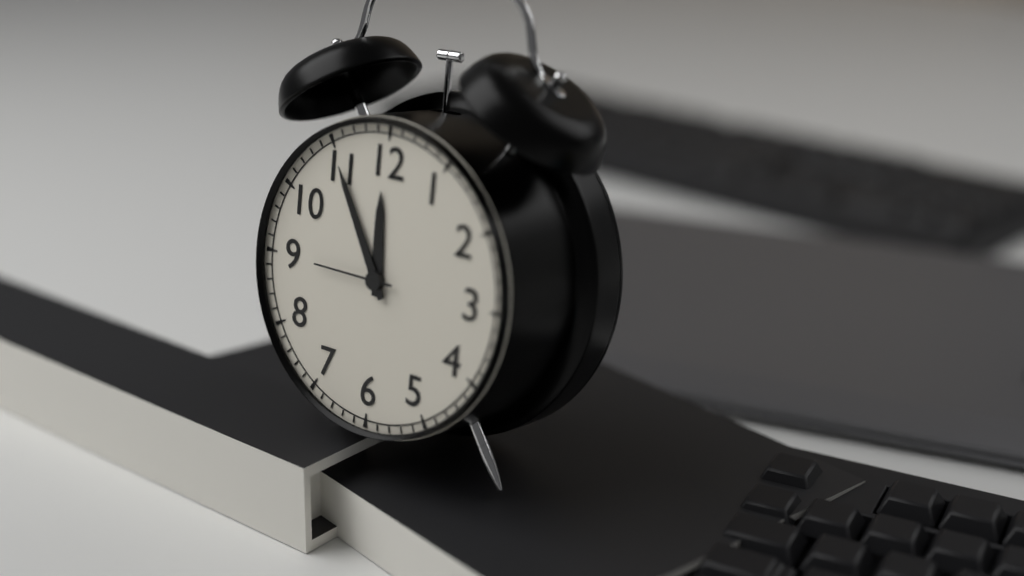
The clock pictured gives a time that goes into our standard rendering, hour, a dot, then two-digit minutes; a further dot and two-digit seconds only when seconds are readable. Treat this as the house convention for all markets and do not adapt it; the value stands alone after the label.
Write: 11.55.45
